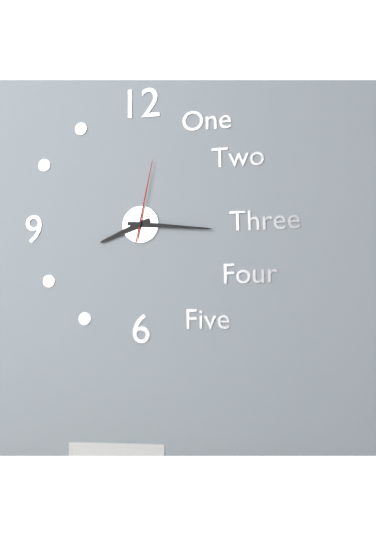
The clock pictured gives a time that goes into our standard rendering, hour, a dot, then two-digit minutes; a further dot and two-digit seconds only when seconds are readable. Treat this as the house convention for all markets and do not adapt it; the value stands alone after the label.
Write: 8.16.02
